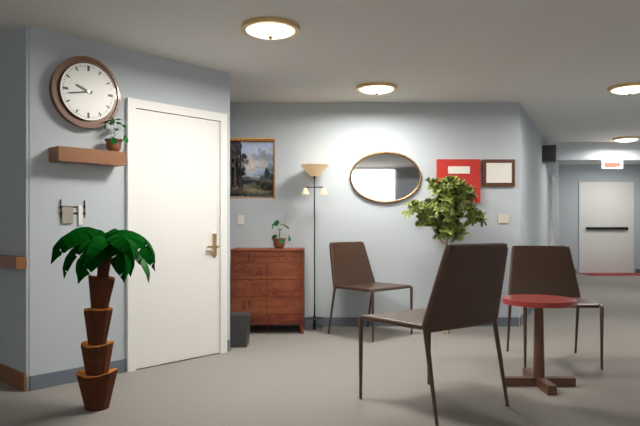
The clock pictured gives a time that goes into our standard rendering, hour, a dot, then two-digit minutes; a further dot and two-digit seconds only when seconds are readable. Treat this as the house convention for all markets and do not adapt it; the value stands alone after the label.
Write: 9.43
